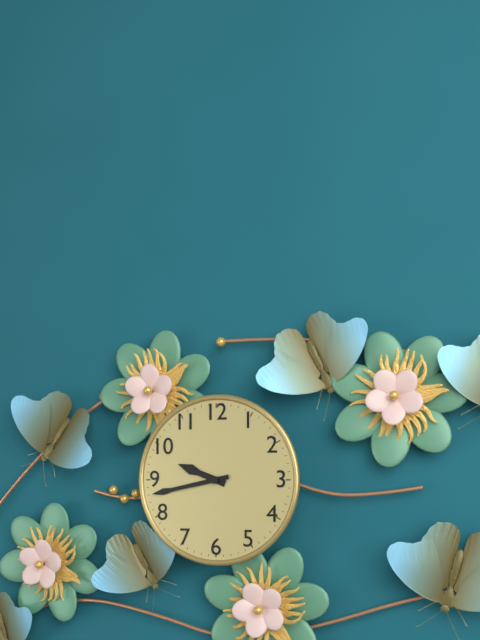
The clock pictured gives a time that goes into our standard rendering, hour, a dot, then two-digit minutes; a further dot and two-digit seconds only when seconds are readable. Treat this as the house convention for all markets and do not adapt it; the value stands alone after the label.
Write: 9.43
